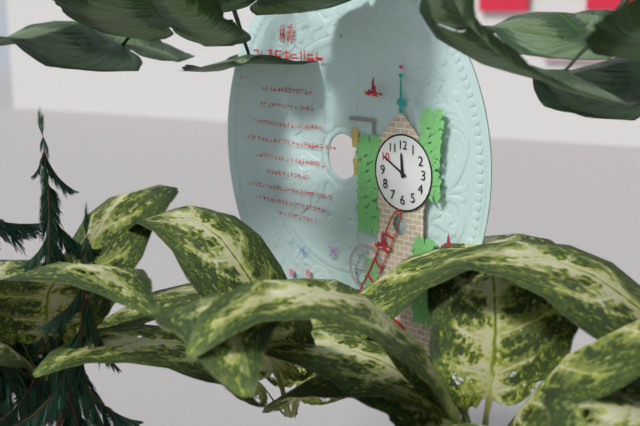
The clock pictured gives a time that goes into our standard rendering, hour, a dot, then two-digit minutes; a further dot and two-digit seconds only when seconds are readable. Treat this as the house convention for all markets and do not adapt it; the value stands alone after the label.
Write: 11.50
